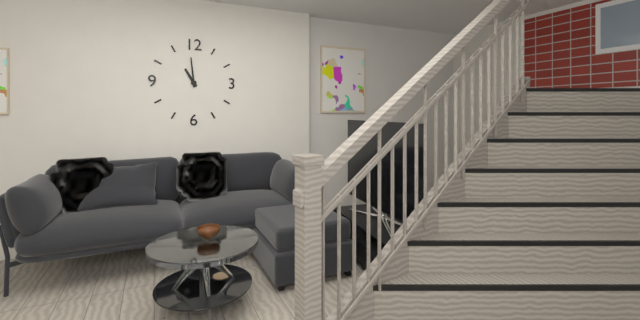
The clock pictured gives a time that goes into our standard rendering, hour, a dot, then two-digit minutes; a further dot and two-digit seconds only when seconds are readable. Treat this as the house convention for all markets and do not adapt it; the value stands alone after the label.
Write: 10.59
